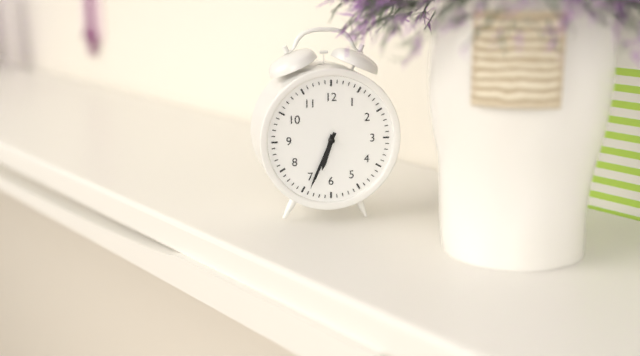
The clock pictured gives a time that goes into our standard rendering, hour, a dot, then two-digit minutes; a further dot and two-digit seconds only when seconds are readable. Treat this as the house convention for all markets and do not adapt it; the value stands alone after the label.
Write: 6.34
